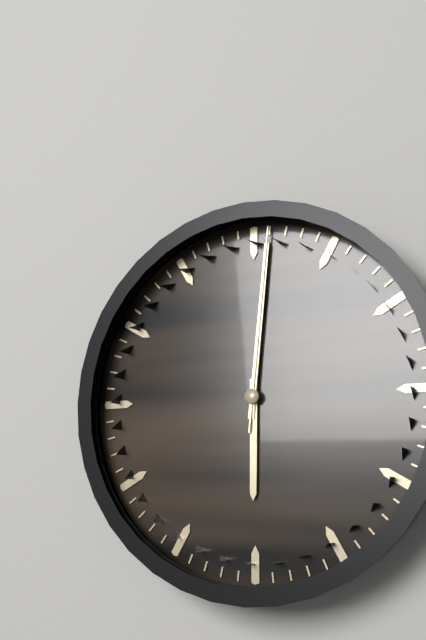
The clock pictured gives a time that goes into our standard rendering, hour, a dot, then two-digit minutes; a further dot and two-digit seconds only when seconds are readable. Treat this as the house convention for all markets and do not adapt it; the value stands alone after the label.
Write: 6.01.01
